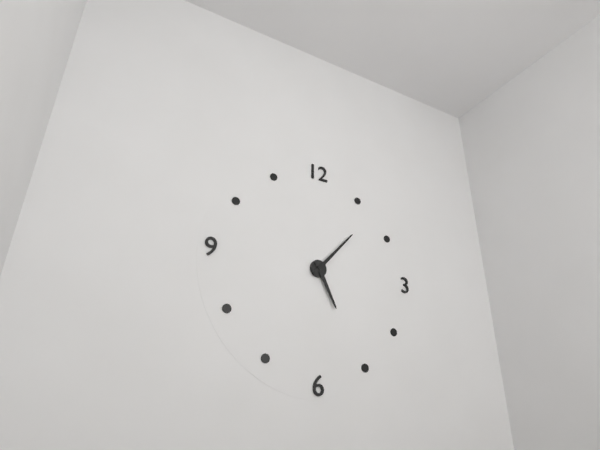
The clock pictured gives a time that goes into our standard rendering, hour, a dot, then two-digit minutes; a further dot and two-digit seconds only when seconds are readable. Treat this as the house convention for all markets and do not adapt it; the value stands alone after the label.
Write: 5.07
